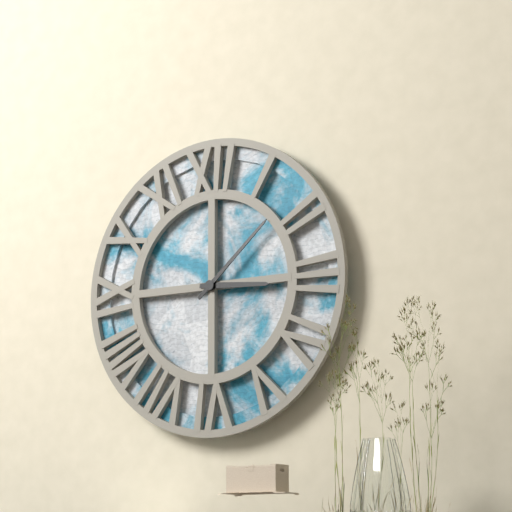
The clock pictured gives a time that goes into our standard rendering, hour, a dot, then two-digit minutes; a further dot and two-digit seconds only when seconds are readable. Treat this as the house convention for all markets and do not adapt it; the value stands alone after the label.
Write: 3.08
